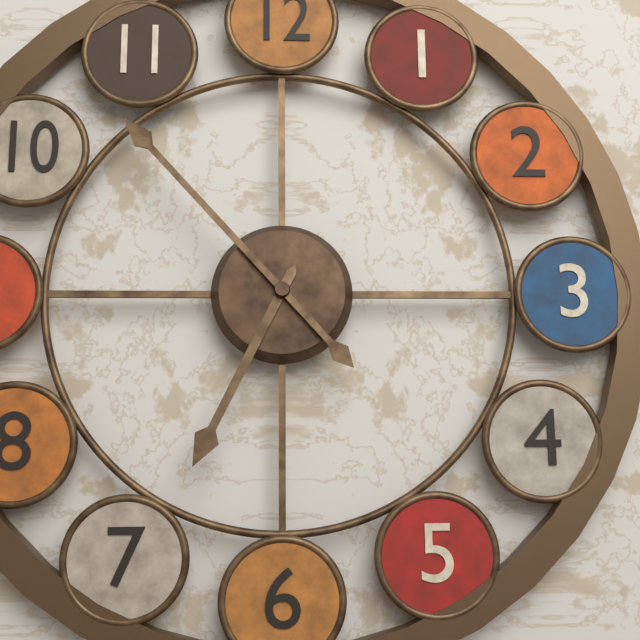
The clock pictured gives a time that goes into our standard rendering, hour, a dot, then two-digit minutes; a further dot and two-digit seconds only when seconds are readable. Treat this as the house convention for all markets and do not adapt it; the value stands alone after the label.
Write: 6.53
